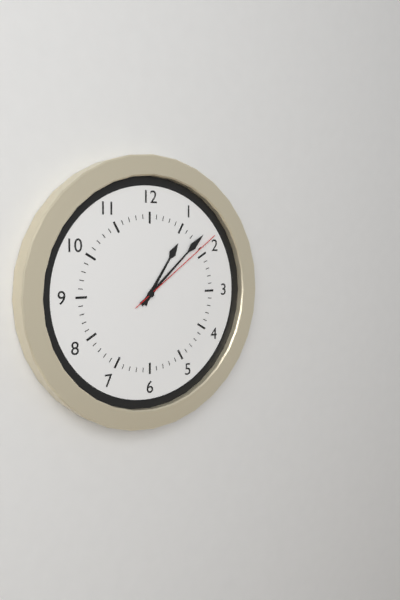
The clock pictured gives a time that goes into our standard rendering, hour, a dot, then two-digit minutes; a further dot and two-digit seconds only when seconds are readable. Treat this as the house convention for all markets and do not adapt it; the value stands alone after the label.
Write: 1.08.09
